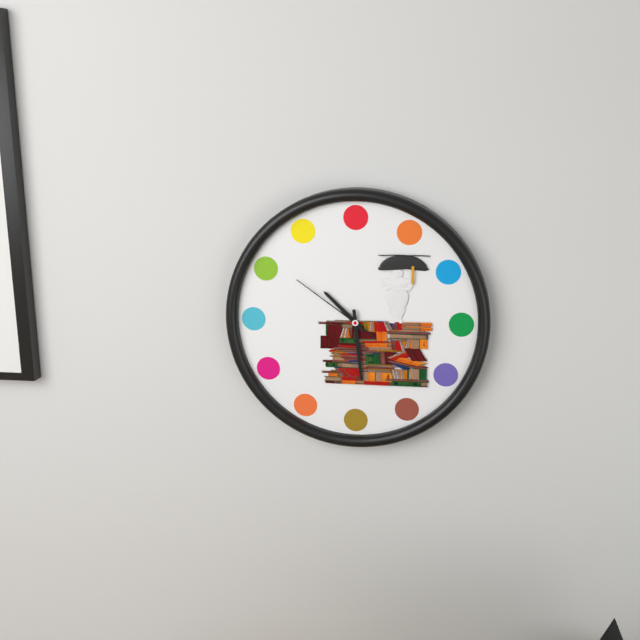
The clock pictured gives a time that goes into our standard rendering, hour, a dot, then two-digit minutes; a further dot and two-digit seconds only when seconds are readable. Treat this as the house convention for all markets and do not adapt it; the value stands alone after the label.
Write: 10.29.51
